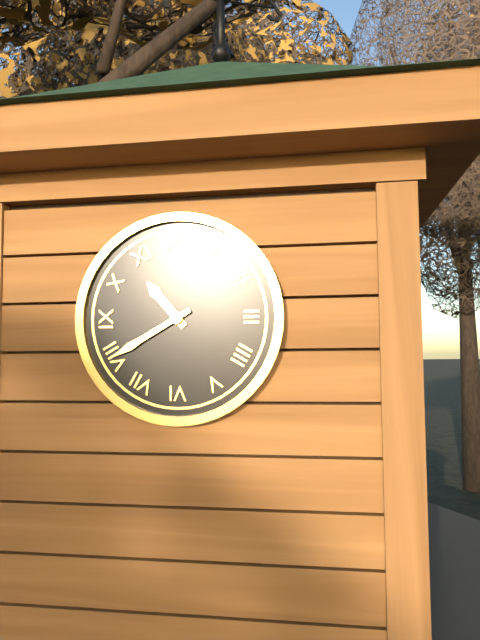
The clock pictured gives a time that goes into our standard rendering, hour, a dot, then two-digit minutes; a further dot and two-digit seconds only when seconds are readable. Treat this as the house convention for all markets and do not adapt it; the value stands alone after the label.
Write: 10.40
